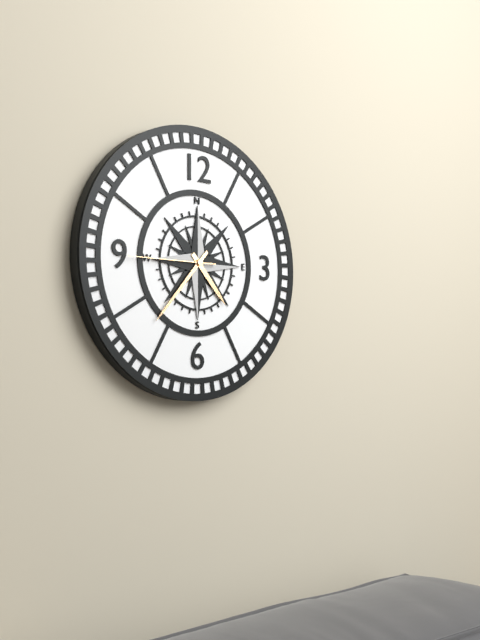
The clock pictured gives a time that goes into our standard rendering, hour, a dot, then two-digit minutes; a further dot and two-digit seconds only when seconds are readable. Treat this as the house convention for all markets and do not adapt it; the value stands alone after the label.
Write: 4.37.45
